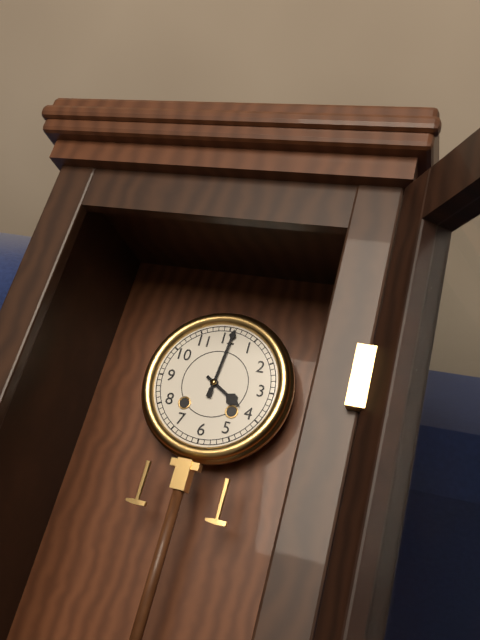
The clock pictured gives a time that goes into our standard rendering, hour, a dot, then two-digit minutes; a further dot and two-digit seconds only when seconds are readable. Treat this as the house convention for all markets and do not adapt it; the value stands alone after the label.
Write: 4.01
